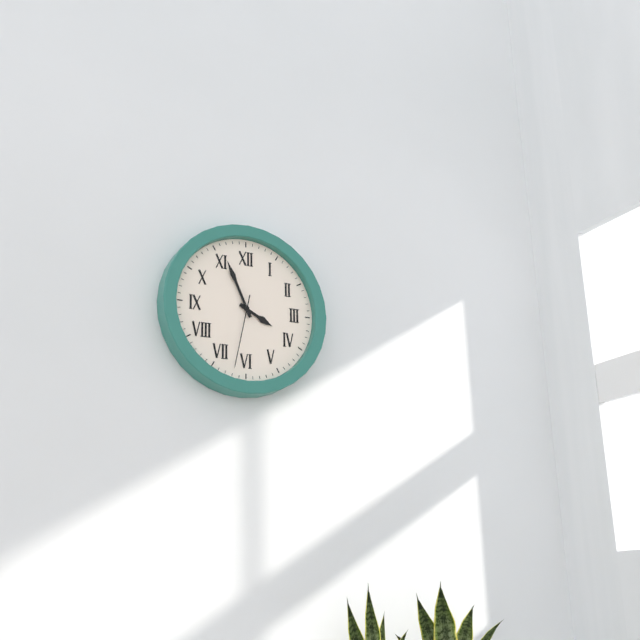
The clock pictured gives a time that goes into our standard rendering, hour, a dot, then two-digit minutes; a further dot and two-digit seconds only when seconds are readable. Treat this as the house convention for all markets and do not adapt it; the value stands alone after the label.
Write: 3.56.32
